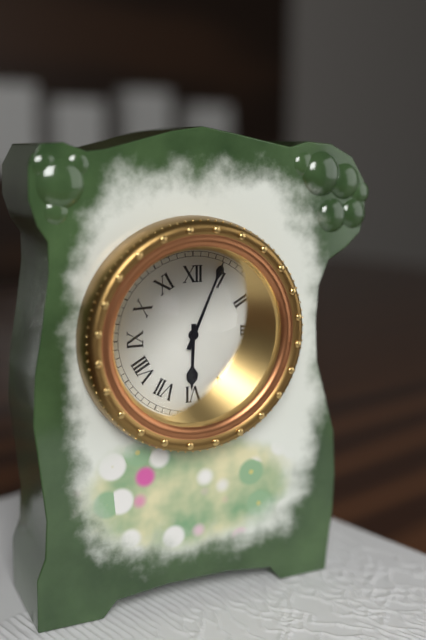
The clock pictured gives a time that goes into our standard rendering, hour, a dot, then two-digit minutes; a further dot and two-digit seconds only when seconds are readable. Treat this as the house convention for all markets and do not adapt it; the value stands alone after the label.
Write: 6.04
